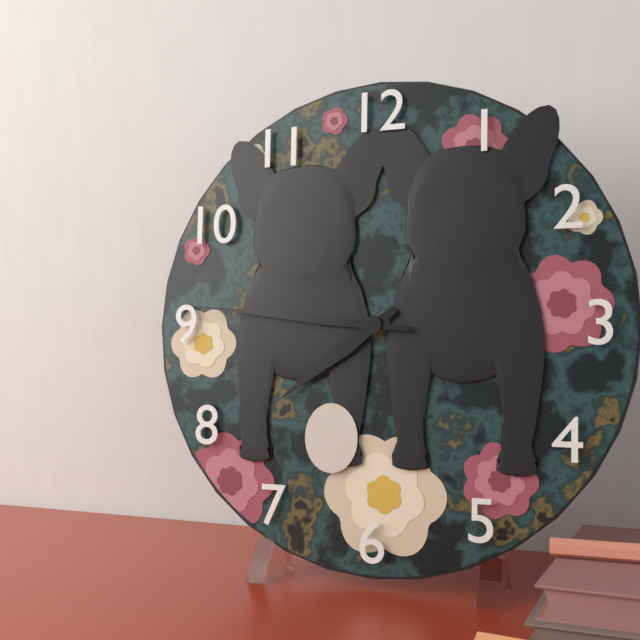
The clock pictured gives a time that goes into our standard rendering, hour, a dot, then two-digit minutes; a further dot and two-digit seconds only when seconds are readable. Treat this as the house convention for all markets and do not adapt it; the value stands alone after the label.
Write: 7.46
